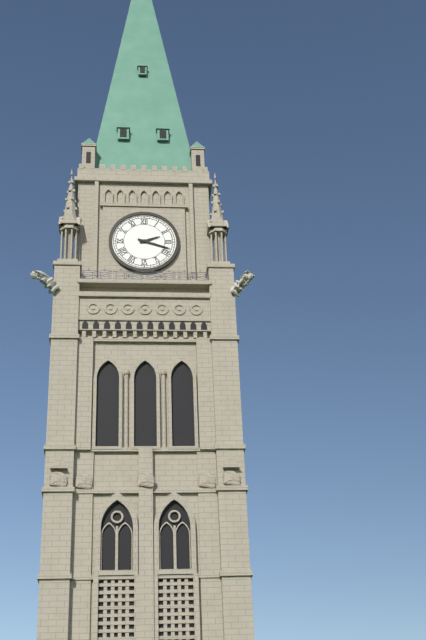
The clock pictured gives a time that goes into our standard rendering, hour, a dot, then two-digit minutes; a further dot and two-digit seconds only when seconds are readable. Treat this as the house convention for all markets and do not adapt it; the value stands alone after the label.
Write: 2.18
